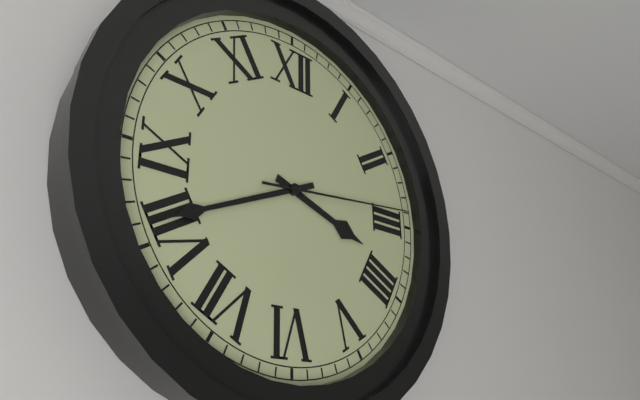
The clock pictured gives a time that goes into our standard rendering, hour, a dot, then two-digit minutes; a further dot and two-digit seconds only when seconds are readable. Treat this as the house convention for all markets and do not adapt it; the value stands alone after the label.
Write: 3.41.14
